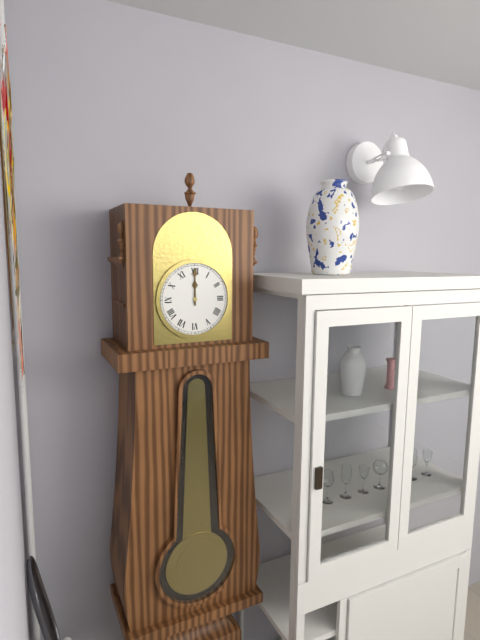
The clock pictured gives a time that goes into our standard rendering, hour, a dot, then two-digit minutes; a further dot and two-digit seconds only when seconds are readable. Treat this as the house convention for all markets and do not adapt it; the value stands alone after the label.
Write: 12.00
